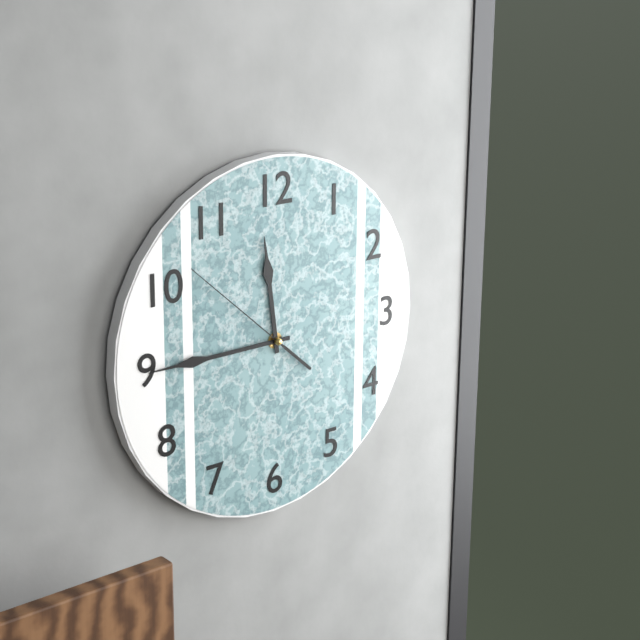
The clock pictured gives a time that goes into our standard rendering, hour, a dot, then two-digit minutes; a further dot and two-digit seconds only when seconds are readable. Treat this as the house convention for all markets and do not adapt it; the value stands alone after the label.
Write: 11.45.52
